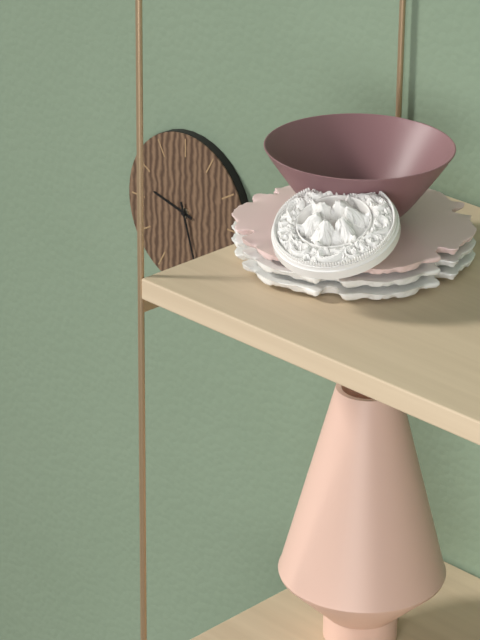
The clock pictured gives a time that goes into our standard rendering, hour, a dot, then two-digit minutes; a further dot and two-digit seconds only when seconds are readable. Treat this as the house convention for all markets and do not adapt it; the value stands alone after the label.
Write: 9.27
